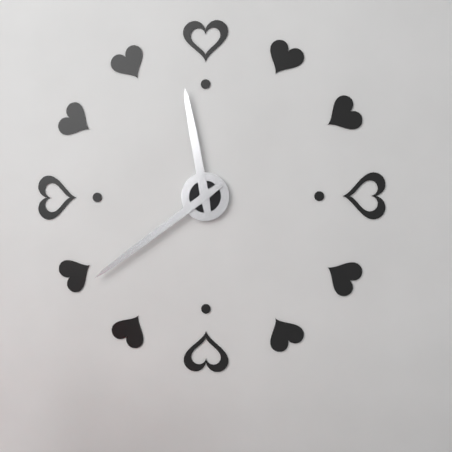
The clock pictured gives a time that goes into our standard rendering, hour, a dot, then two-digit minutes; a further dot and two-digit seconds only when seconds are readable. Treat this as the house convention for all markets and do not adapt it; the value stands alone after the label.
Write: 11.39
